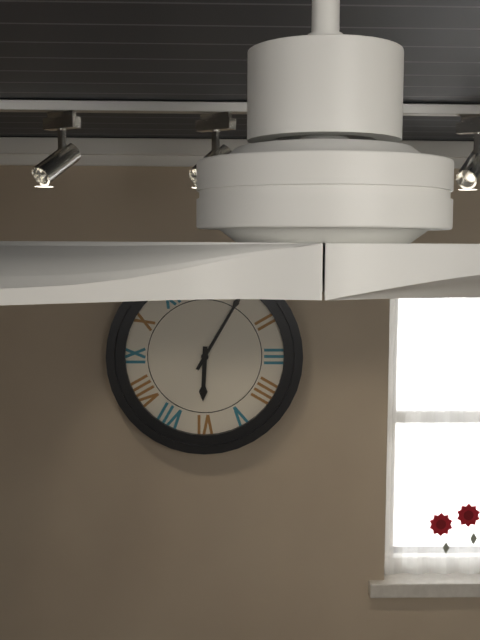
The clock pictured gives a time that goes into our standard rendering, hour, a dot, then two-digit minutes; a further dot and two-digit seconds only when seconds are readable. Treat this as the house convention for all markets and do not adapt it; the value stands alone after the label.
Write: 6.05
